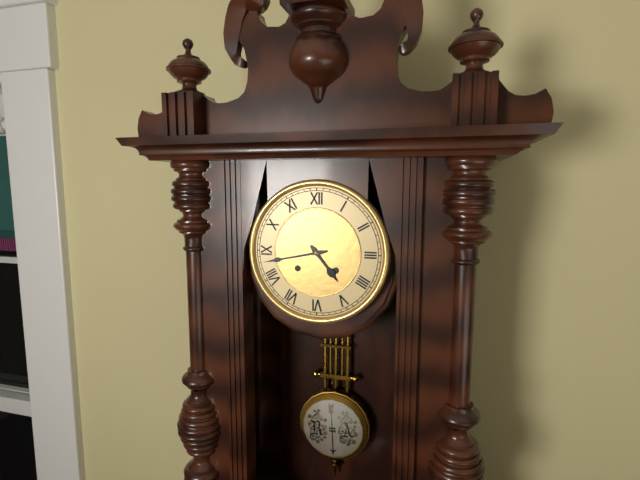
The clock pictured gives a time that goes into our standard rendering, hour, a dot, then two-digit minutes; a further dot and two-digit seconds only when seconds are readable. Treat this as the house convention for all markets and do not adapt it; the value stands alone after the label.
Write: 4.43
